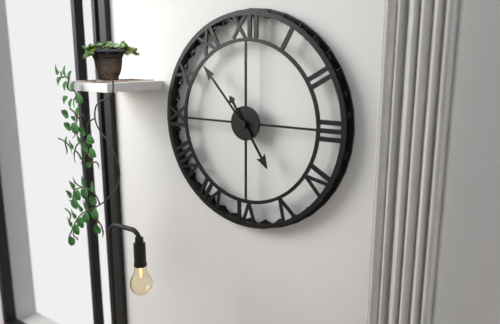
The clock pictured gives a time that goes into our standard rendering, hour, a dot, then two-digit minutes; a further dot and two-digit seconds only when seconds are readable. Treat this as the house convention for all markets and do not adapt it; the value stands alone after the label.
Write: 4.53
